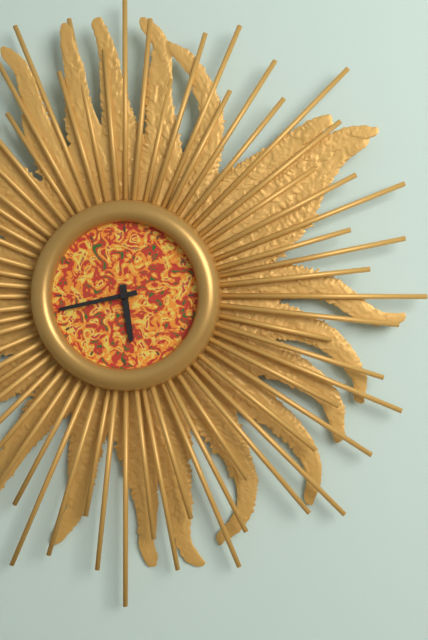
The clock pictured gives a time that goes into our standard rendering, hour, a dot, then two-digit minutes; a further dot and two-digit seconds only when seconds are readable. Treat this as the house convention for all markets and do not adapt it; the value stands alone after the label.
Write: 5.43
